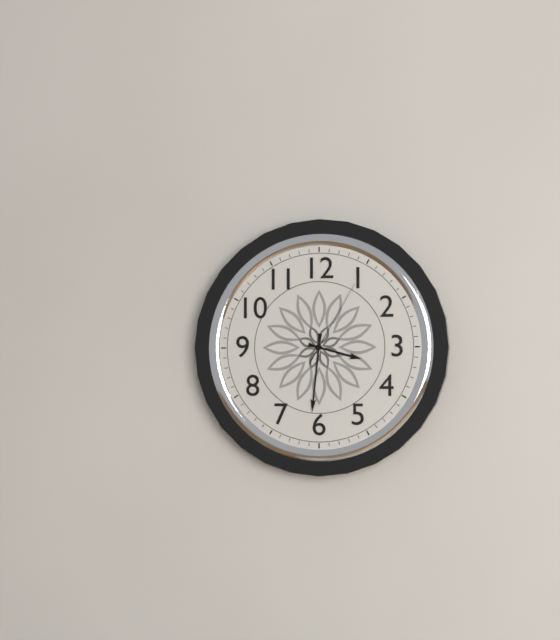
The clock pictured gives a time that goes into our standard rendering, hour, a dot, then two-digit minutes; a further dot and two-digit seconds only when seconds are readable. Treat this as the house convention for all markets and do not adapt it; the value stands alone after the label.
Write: 3.31.05
